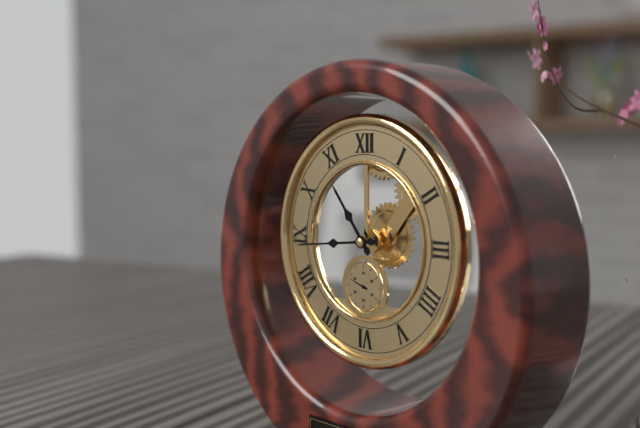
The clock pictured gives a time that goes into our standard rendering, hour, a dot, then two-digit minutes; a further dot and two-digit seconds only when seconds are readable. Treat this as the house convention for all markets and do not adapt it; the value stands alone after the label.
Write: 10.44
